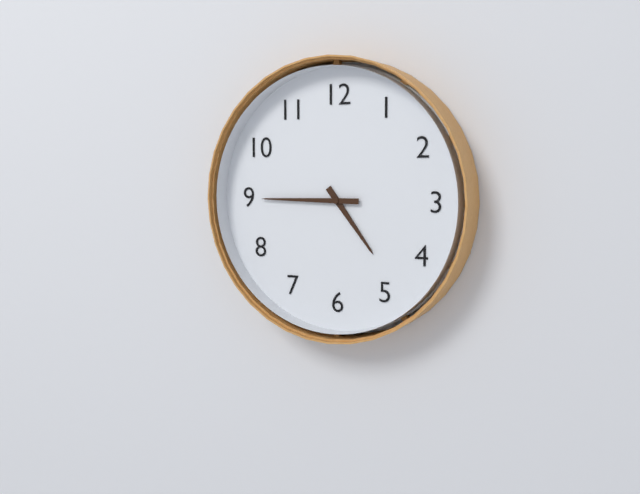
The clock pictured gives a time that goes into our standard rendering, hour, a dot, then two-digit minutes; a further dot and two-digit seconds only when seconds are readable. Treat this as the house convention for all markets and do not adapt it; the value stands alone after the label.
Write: 4.45
